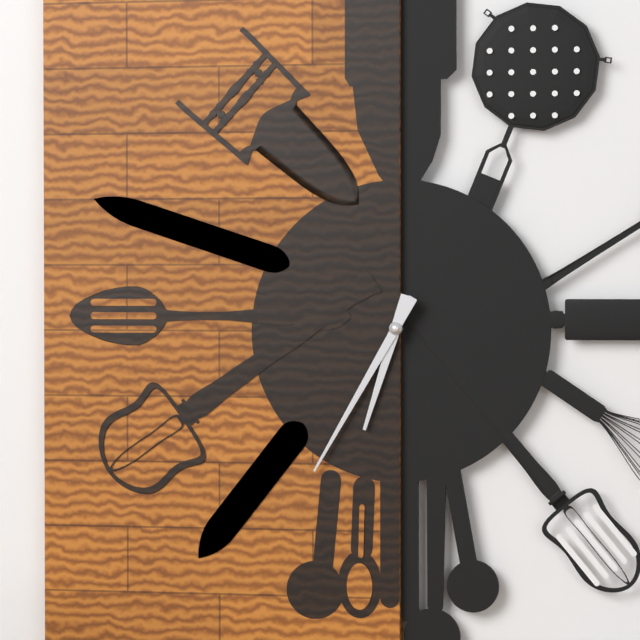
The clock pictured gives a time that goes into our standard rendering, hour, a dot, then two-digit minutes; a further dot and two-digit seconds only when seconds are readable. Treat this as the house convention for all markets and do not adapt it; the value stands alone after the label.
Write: 6.35
